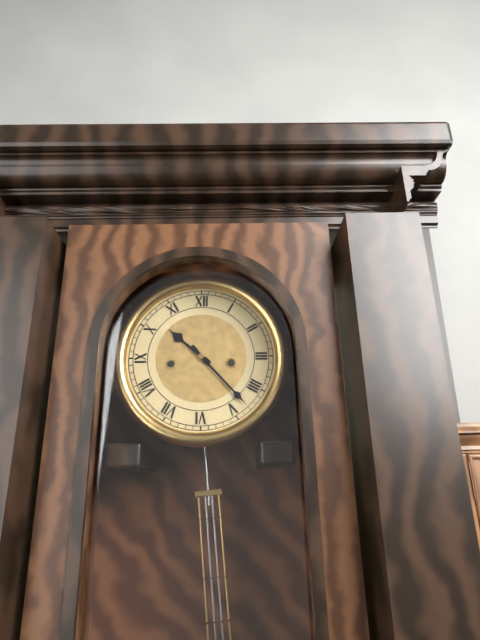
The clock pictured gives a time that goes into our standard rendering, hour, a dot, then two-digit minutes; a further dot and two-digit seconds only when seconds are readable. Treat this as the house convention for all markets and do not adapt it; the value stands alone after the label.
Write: 10.23
